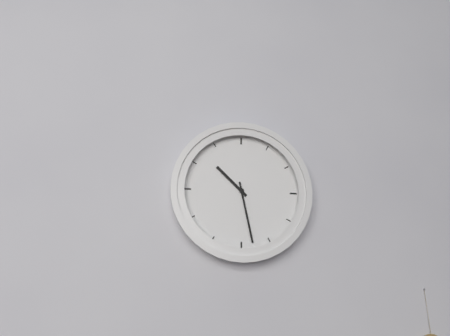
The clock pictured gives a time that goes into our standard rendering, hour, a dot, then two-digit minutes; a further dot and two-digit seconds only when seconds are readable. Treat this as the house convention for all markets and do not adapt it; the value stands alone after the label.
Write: 10.28
